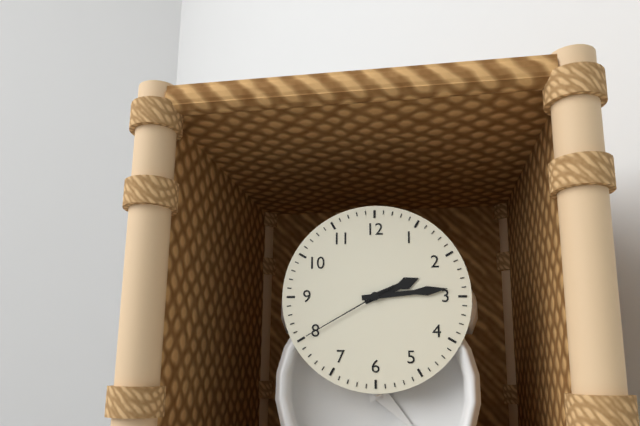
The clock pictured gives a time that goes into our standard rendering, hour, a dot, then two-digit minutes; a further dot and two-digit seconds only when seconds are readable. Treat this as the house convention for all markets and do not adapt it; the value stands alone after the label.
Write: 2.14.40
